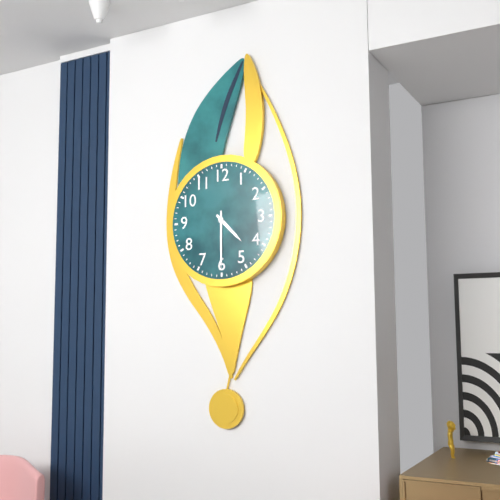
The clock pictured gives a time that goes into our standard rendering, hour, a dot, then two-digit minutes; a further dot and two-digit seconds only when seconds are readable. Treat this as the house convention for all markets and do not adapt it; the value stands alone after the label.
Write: 4.30
